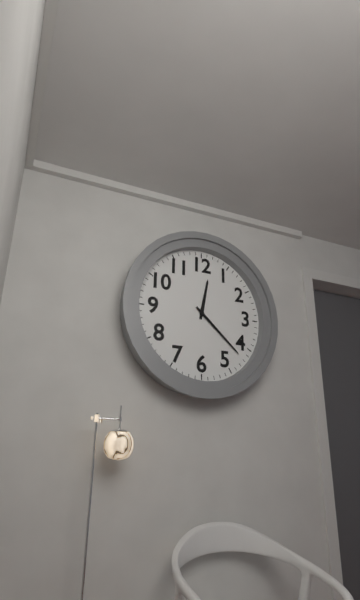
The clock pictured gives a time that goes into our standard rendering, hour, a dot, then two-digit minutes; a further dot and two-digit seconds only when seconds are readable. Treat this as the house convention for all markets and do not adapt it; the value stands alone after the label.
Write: 12.22
